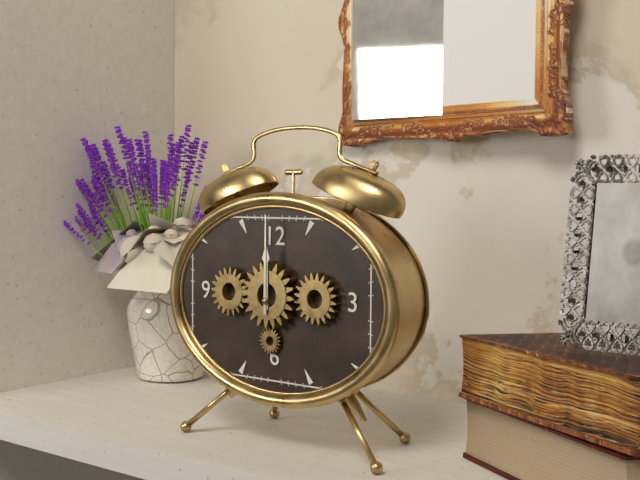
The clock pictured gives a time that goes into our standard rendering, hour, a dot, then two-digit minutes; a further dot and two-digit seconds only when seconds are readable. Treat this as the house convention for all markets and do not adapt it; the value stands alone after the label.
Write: 12.00
